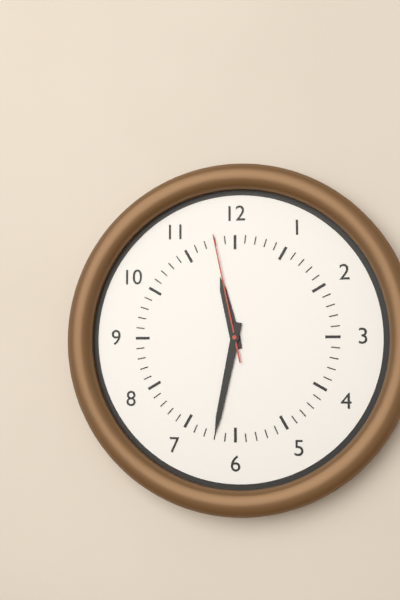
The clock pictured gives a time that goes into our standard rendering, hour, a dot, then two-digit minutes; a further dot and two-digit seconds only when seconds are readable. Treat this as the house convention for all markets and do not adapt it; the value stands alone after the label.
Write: 11.32.58
